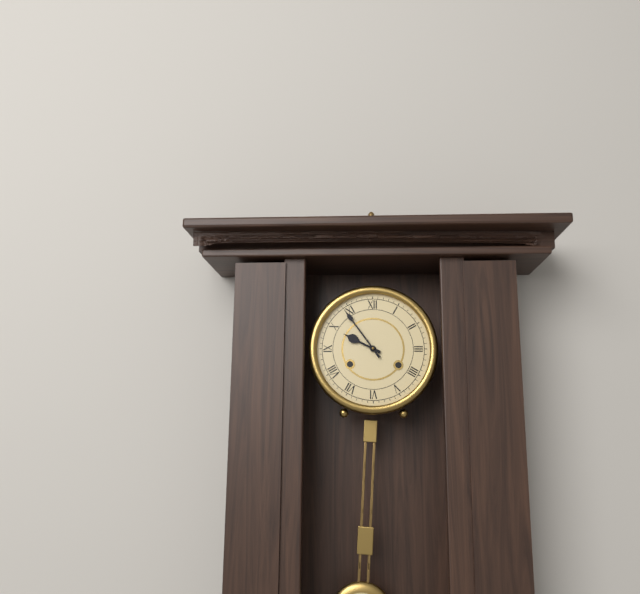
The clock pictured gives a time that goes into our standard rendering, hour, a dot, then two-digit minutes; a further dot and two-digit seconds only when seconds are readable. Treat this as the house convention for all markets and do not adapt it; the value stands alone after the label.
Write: 9.54
